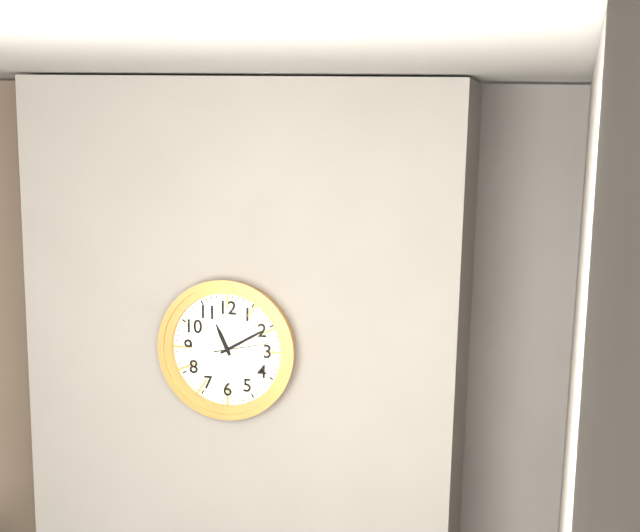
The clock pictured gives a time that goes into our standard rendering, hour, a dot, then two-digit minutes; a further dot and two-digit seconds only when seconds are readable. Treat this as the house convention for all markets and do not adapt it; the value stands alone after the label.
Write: 11.10.13
